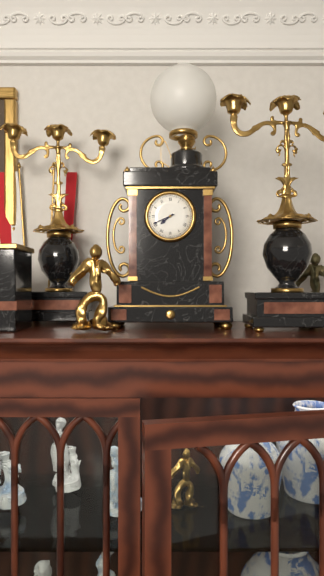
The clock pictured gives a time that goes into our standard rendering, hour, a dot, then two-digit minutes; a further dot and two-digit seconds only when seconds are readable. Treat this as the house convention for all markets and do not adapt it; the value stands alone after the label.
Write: 7.41
